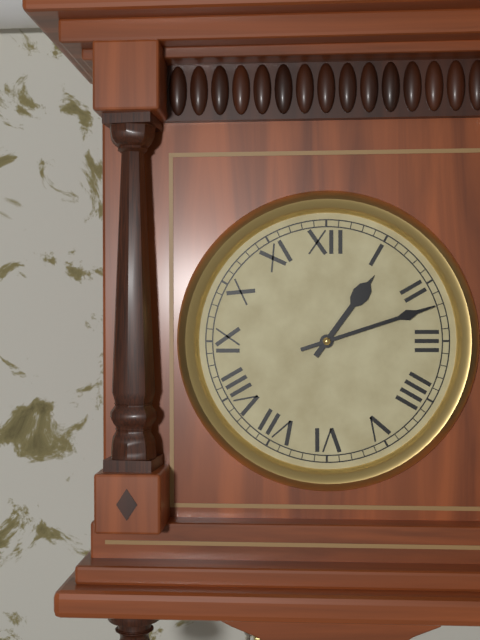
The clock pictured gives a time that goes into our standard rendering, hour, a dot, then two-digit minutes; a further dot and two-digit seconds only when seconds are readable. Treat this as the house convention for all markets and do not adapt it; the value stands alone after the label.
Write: 1.12
